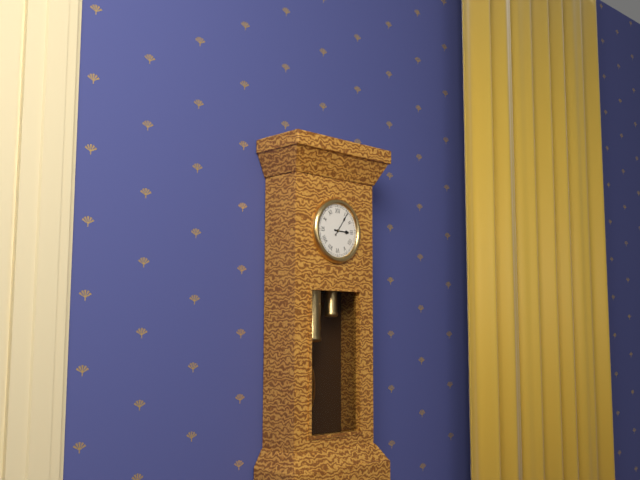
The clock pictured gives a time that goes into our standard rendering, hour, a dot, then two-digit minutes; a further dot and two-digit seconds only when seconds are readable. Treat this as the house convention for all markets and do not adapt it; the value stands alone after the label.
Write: 3.06
